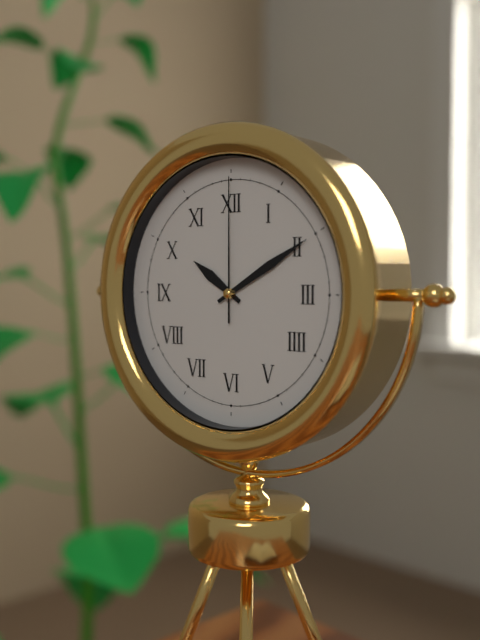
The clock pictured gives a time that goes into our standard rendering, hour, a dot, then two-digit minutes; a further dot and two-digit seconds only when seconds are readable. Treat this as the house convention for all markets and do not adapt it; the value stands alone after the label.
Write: 10.10.00
